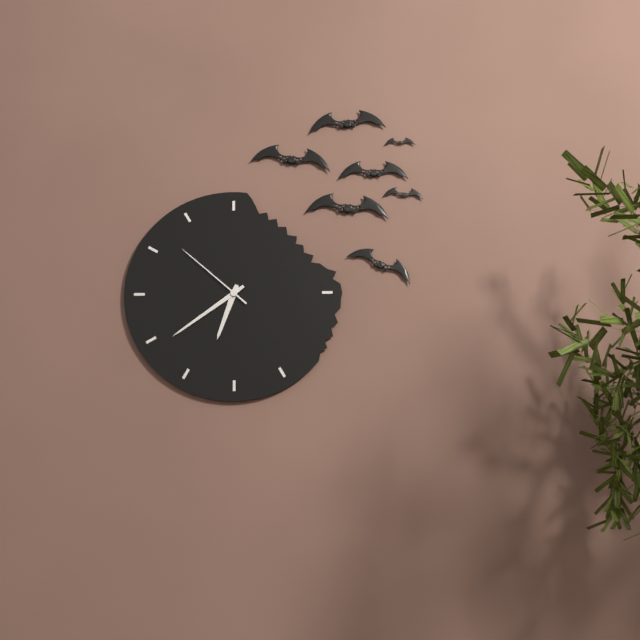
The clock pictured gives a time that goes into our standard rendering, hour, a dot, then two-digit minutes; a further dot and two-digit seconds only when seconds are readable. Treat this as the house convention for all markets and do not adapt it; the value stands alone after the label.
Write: 6.39.52
